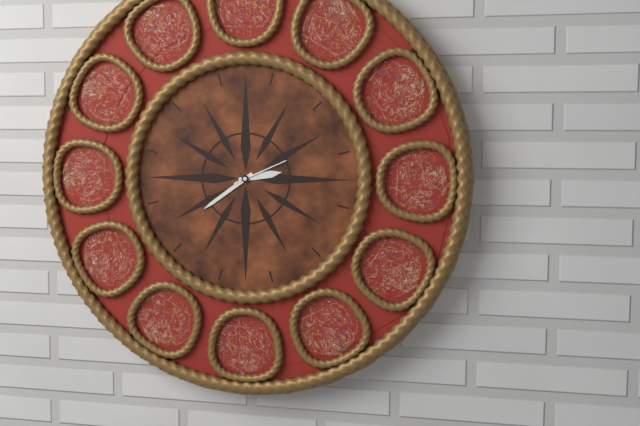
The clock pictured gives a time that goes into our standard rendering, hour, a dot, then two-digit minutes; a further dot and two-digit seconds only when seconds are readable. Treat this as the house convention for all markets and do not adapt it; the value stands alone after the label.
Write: 2.39.11
